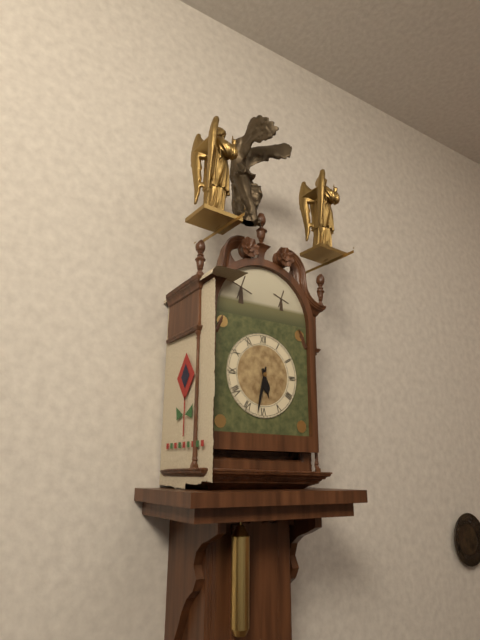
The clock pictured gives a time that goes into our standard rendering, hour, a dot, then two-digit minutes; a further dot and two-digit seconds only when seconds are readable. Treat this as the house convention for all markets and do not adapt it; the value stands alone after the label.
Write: 5.32
